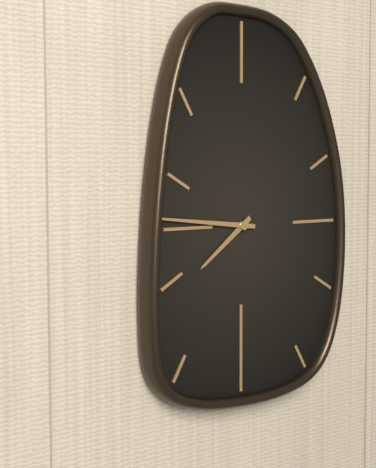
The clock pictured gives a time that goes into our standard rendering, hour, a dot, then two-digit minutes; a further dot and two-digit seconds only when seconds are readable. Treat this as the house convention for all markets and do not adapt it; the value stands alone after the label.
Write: 7.46
